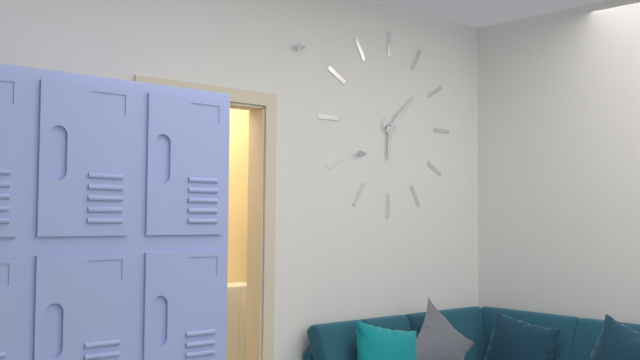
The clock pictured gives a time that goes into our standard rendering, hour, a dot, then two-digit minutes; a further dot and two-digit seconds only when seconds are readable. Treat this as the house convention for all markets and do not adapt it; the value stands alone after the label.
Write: 6.08
